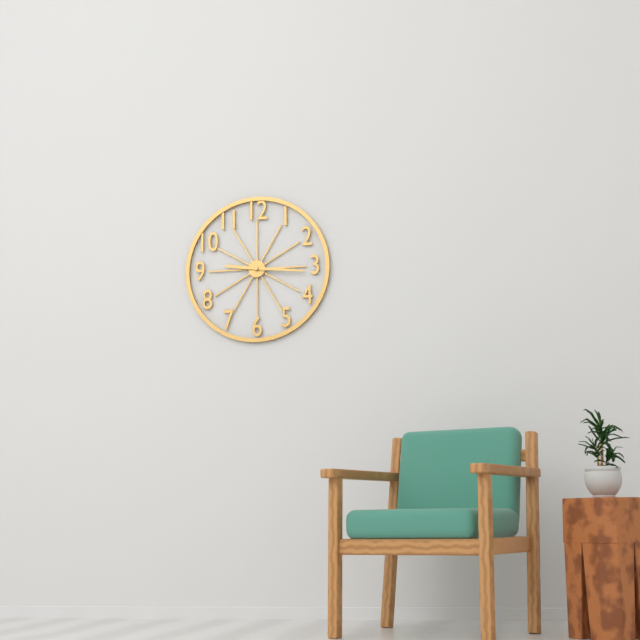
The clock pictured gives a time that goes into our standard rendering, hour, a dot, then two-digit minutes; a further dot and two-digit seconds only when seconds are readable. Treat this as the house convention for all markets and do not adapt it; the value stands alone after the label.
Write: 9.16
